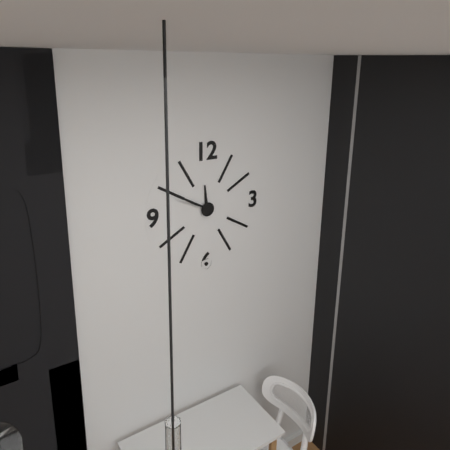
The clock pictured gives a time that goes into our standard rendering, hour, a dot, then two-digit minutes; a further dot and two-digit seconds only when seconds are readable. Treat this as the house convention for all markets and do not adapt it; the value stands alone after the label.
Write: 11.50
